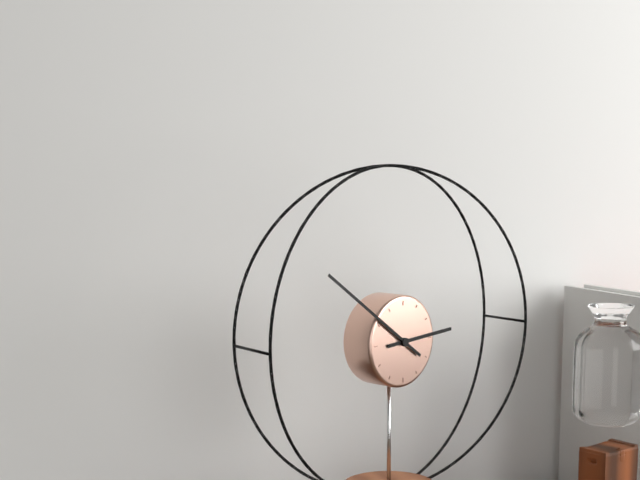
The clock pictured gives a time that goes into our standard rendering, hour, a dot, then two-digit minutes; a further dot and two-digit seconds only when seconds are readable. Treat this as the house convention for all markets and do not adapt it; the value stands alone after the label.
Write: 2.51
